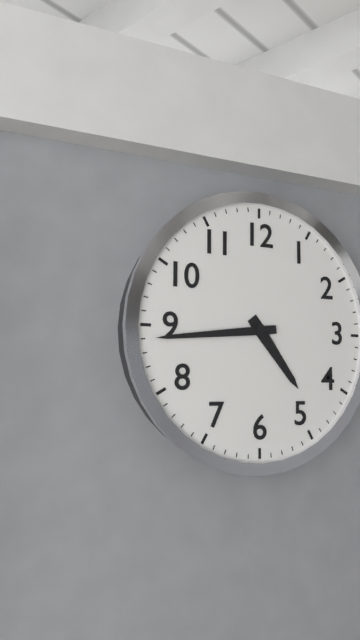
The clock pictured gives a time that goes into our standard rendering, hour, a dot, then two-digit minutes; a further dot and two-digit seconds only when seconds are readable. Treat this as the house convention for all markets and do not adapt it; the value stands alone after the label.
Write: 4.44
